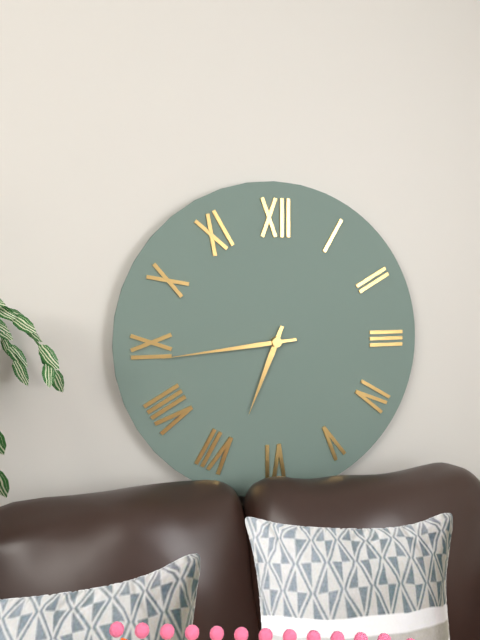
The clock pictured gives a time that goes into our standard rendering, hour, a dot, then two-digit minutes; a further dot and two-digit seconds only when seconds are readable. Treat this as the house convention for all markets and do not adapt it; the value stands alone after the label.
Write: 6.44
